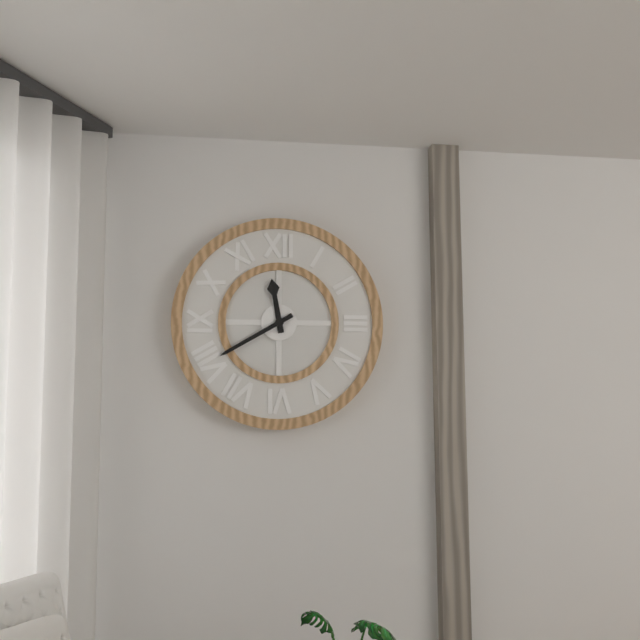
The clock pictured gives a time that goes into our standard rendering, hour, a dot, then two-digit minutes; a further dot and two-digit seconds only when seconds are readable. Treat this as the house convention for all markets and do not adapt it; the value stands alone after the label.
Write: 11.40
